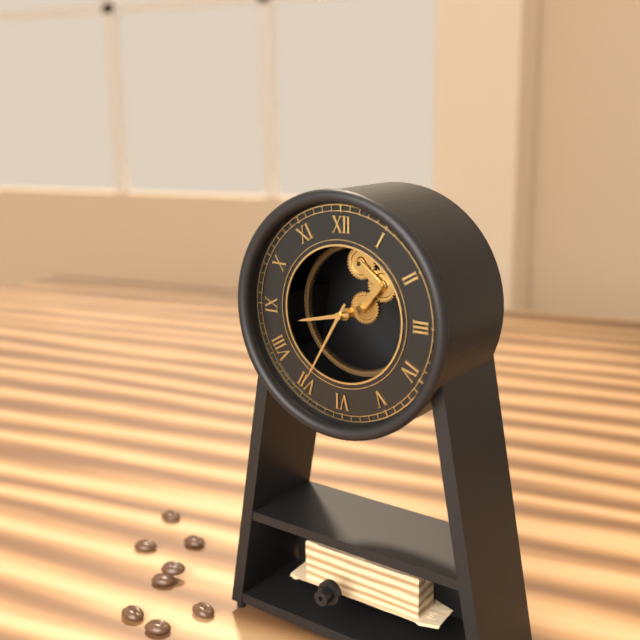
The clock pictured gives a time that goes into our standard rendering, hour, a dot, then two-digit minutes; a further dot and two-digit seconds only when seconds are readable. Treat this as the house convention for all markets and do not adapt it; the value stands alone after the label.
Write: 8.35
